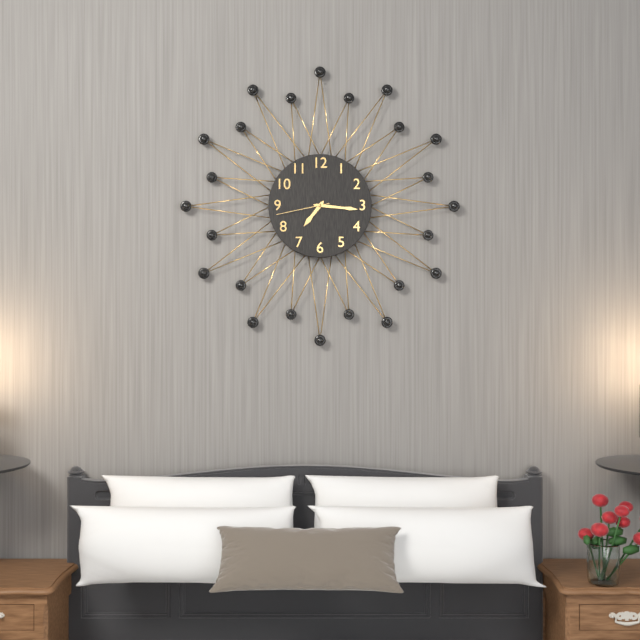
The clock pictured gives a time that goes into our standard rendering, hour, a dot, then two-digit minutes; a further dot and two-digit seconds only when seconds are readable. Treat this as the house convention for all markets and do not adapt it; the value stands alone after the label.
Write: 7.16.43
